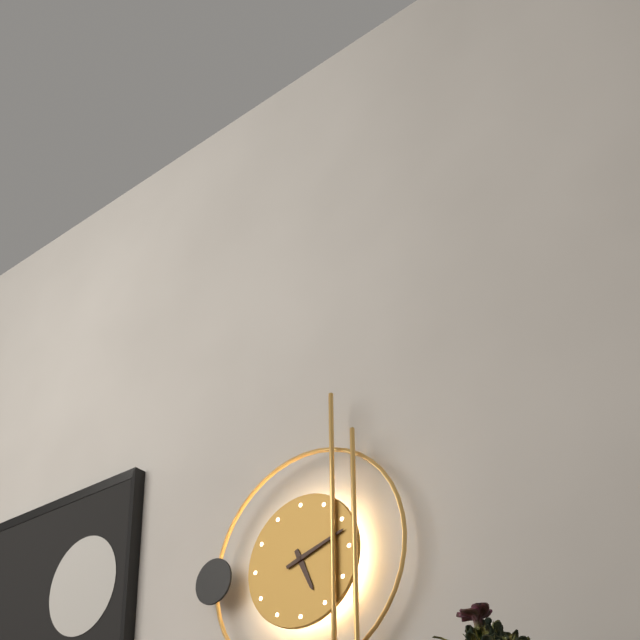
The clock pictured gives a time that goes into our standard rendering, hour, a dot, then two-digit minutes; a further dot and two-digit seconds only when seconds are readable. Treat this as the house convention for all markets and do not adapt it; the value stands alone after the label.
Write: 5.12
